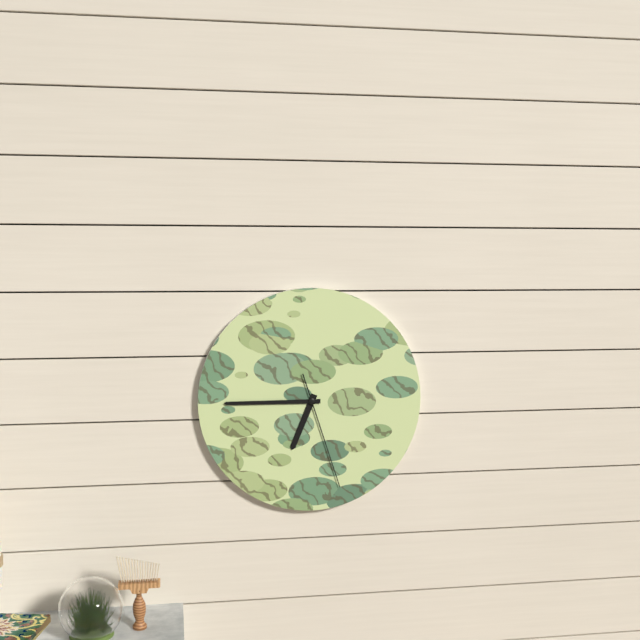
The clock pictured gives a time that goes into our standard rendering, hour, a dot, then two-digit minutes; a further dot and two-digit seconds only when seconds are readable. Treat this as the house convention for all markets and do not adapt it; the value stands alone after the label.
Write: 6.45.27
